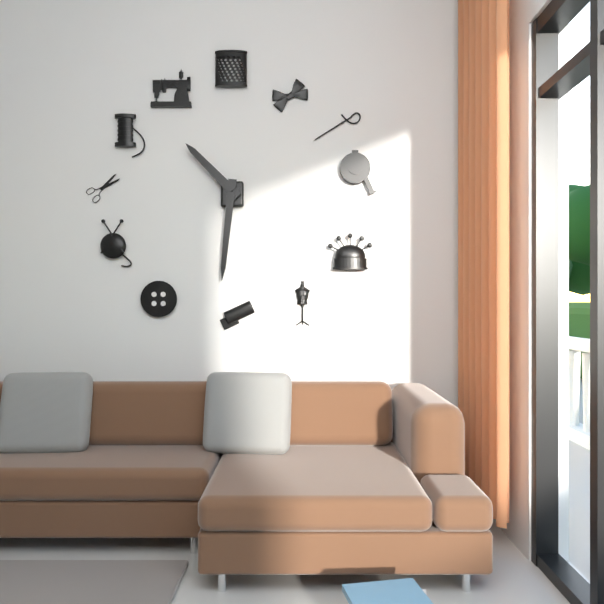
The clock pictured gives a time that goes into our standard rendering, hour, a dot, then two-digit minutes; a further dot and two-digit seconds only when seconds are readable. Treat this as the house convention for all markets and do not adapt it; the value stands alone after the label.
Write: 10.31
